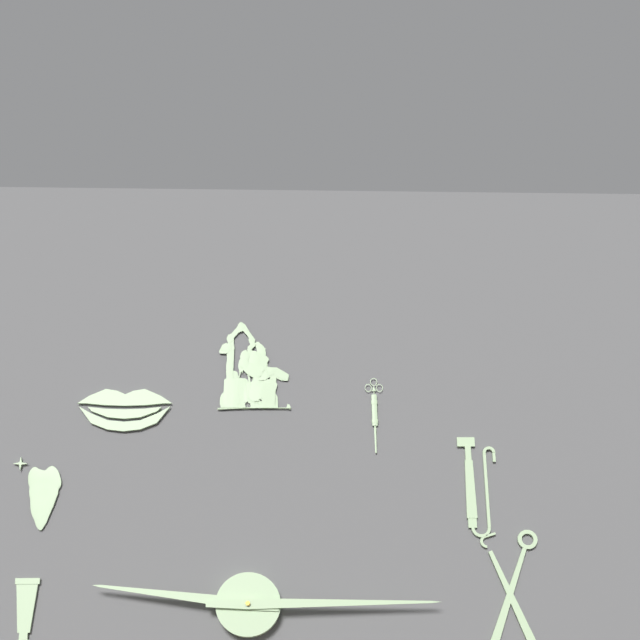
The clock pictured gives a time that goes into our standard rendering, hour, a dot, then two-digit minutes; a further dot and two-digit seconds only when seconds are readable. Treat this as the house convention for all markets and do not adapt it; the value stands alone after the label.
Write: 9.15
